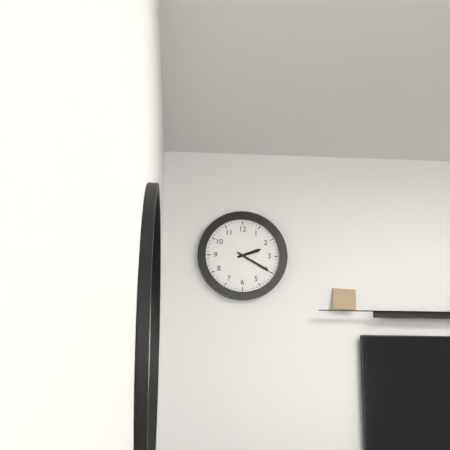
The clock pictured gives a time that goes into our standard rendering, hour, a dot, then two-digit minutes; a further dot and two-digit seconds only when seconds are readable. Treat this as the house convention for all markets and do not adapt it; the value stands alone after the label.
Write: 2.20
